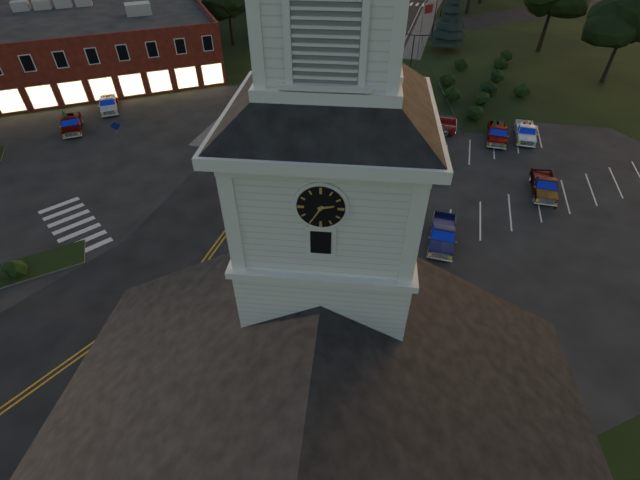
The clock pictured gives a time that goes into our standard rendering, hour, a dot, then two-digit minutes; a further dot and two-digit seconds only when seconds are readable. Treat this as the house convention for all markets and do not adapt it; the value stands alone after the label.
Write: 2.35
